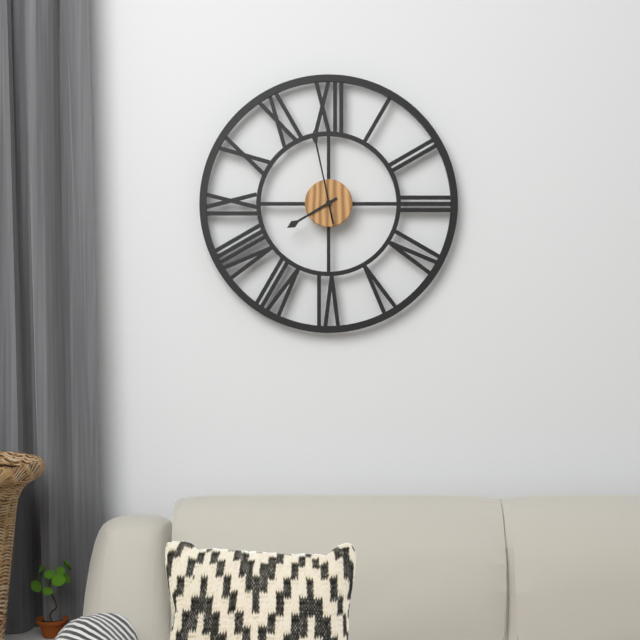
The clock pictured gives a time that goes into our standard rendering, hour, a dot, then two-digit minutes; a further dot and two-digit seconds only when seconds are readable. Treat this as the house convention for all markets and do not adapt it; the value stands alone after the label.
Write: 7.58
